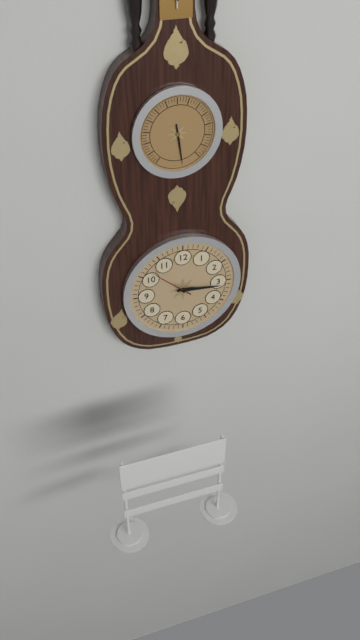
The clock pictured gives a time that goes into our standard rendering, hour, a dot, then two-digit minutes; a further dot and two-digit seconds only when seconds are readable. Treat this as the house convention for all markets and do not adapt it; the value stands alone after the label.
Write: 3.16
